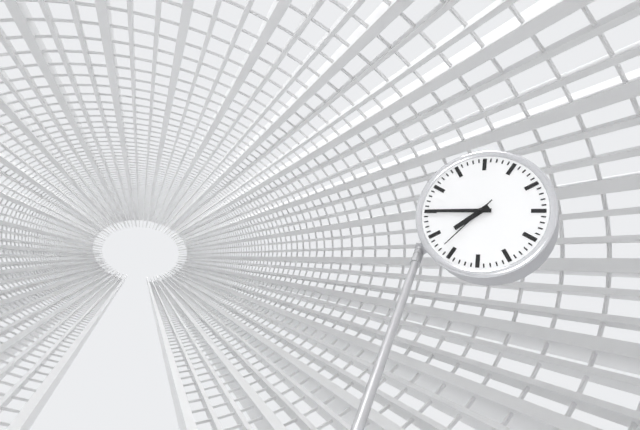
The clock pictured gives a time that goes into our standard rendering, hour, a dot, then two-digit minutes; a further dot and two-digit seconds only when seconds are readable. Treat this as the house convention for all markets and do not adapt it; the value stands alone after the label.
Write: 7.45.37
